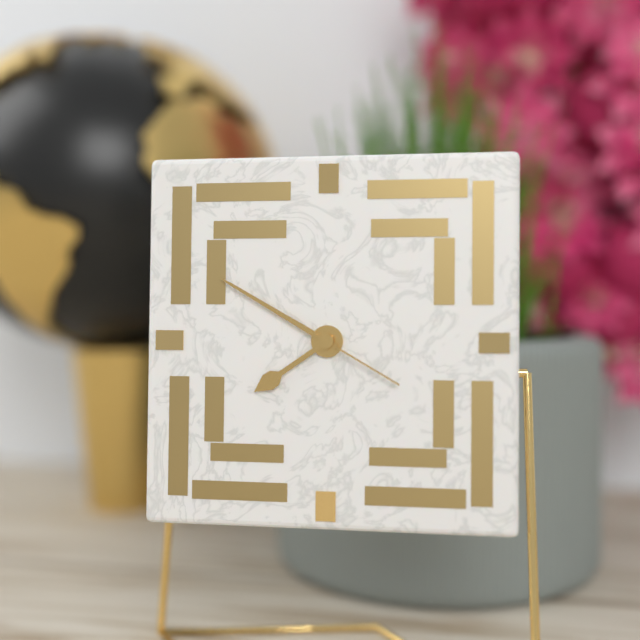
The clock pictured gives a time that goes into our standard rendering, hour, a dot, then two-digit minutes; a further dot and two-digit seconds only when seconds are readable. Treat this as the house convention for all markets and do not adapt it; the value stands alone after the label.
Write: 7.50.20
